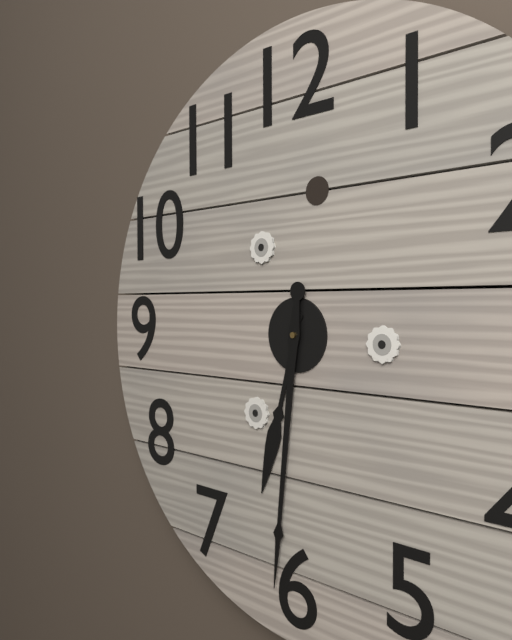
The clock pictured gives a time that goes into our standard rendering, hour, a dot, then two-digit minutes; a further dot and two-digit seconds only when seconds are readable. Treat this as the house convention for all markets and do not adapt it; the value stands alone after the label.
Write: 6.31
